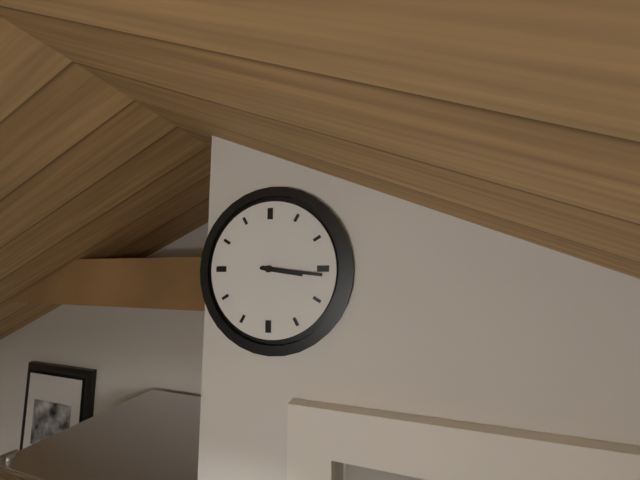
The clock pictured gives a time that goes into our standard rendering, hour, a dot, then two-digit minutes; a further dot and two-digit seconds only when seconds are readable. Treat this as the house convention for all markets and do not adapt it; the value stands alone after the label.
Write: 3.16
